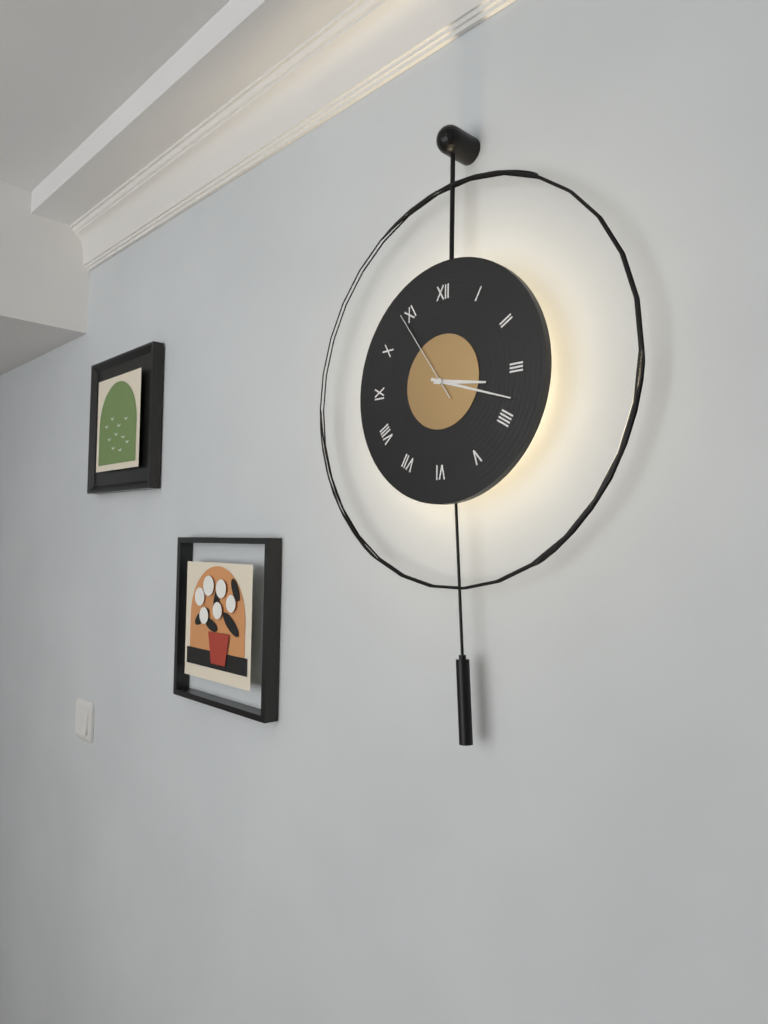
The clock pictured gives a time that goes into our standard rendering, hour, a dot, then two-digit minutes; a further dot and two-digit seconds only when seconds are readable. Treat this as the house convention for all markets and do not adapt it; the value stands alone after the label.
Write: 3.18.54
